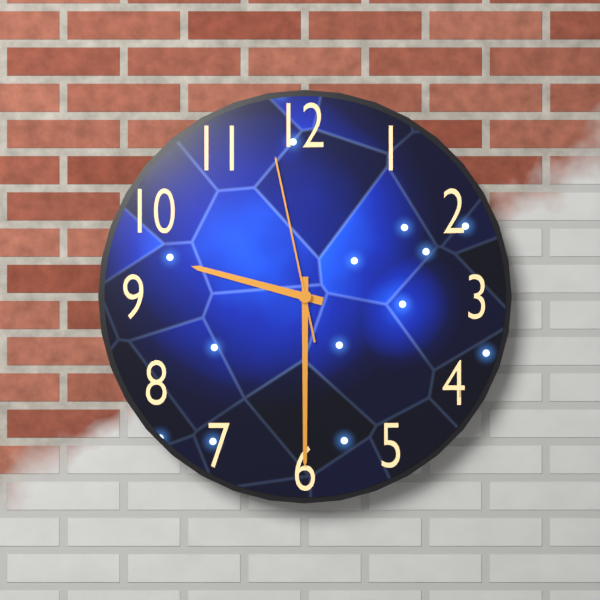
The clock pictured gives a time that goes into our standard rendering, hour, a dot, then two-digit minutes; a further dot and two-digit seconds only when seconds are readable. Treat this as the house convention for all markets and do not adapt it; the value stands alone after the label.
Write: 9.30.58
